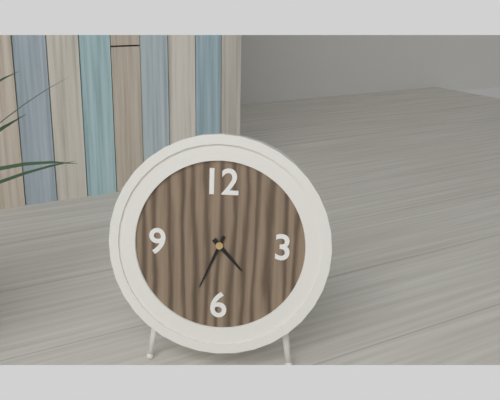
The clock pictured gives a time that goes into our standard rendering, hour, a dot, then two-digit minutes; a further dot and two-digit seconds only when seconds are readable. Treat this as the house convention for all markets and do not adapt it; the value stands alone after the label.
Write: 4.34
